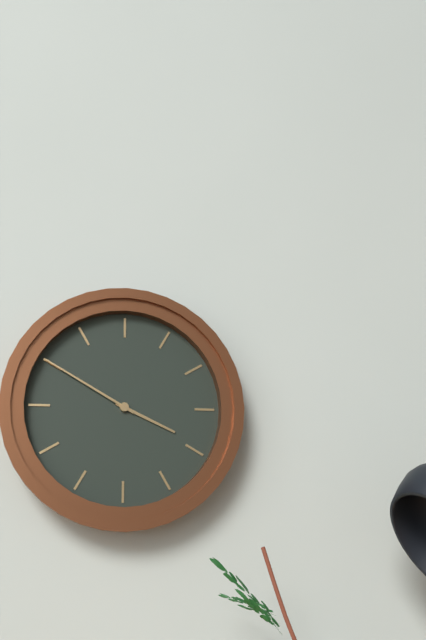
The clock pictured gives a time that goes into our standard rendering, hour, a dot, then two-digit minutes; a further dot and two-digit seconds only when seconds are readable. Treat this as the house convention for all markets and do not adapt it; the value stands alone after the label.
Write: 3.50
